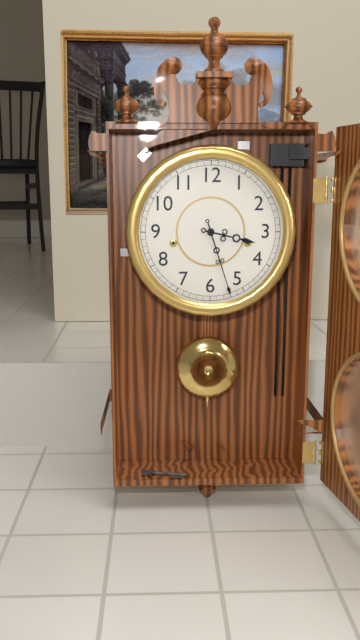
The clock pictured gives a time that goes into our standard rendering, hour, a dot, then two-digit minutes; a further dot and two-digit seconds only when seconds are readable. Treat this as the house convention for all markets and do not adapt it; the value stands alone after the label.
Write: 3.27
